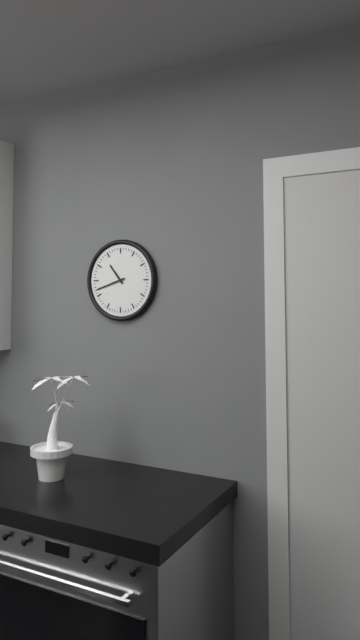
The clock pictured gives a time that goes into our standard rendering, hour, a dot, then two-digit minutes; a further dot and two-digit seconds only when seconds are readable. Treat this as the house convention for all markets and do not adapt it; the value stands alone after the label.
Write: 10.42
